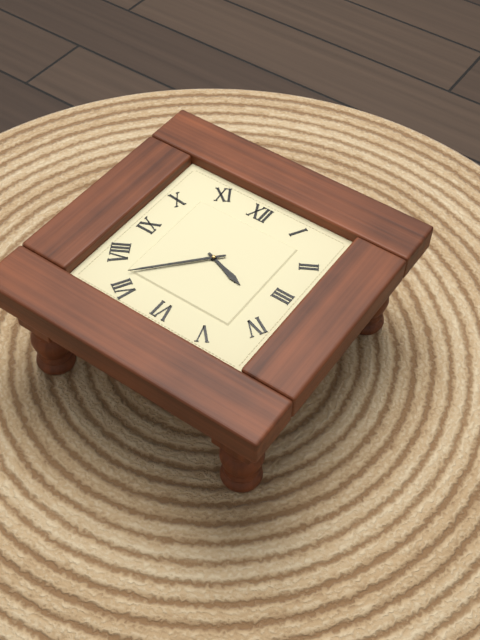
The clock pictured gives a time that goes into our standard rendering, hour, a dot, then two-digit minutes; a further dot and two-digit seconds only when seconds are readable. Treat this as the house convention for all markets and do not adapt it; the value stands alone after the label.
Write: 3.37
